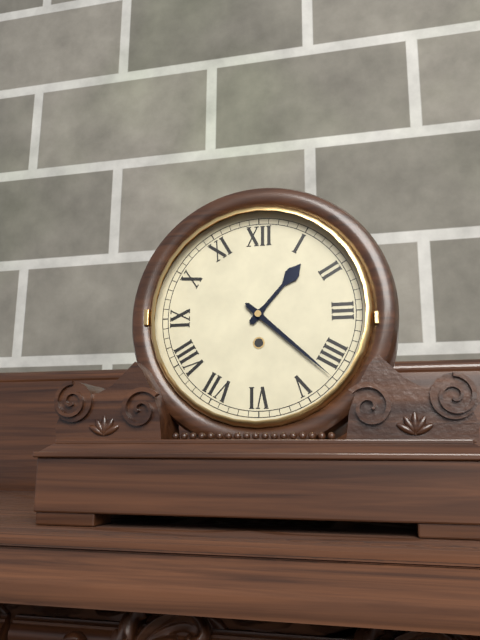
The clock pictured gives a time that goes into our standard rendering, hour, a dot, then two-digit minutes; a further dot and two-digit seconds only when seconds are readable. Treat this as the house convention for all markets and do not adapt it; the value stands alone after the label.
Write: 1.22
